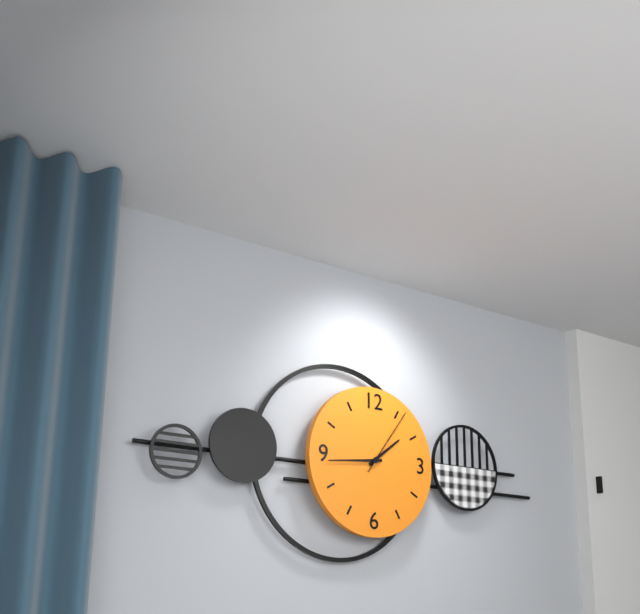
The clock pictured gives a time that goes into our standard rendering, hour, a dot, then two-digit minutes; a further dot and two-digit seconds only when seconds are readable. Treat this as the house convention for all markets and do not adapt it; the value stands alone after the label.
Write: 1.44.06
